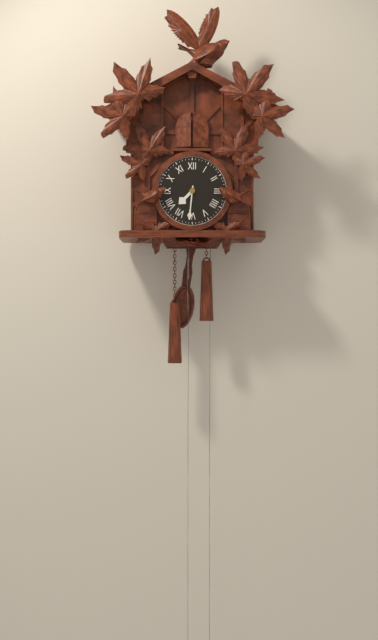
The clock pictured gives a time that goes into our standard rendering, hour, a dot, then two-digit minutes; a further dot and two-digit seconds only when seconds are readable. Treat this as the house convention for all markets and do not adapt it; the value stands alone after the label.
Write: 7.31
